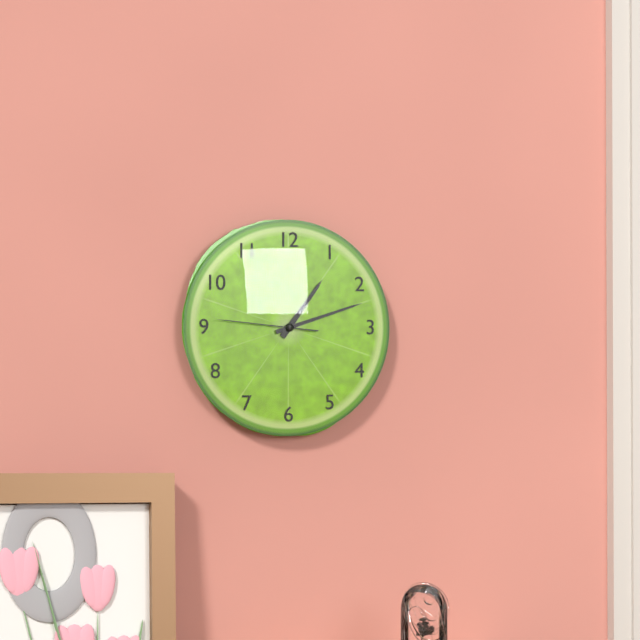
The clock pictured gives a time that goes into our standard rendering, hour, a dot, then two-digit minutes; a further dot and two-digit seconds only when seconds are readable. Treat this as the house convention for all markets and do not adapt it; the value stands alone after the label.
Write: 1.12.46
